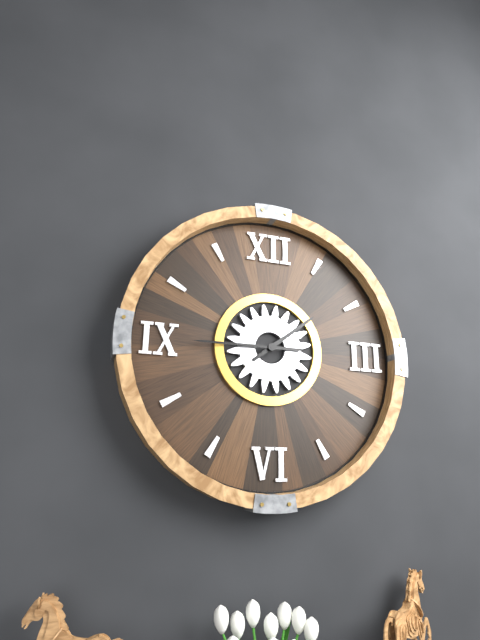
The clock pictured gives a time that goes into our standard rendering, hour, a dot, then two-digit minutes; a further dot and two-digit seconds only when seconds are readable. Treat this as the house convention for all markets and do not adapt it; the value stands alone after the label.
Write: 1.45
